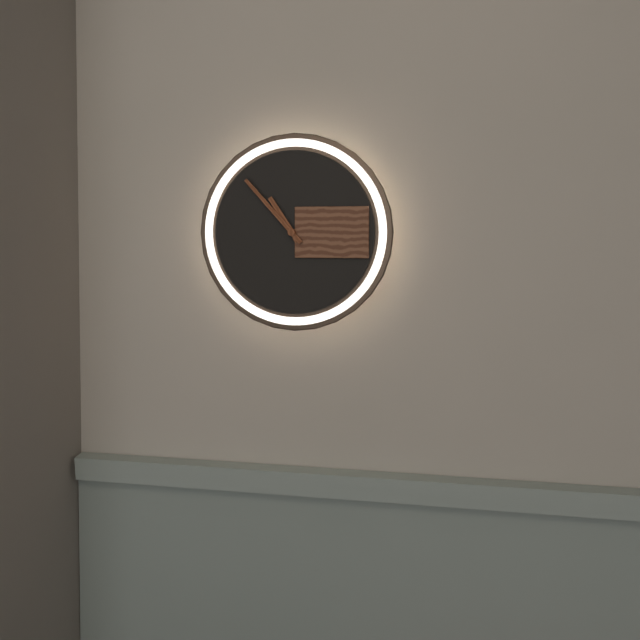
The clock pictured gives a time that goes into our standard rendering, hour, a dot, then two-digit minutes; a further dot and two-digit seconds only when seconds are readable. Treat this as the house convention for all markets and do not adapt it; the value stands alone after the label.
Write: 10.53
